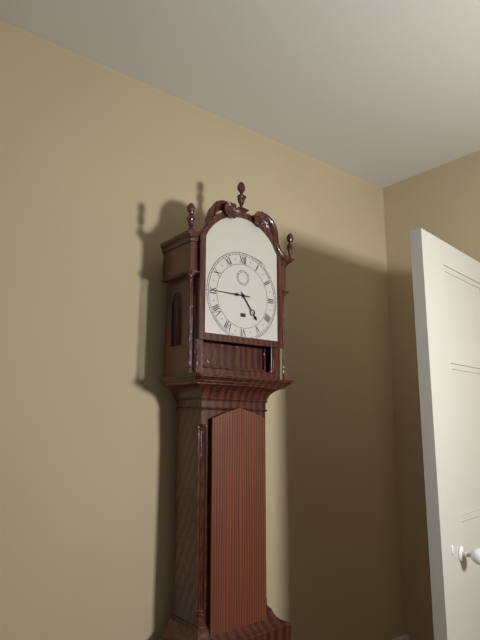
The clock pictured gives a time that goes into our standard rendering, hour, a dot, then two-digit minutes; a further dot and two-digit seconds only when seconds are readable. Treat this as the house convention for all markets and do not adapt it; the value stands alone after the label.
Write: 4.45
